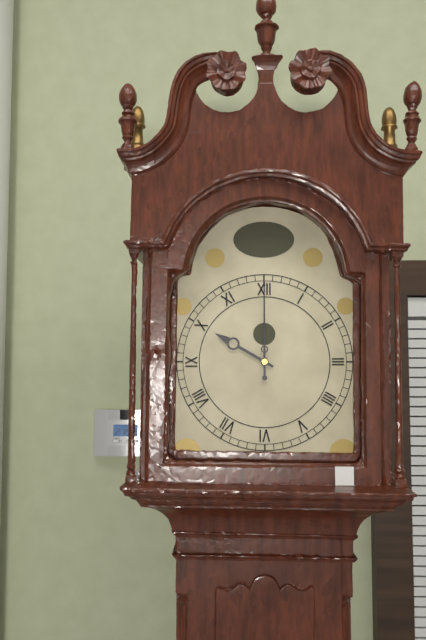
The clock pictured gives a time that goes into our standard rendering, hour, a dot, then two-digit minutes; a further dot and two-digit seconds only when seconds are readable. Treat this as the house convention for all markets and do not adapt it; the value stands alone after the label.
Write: 10.00
